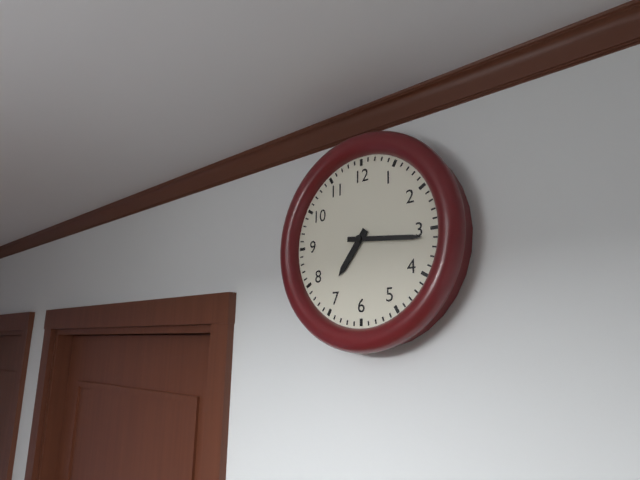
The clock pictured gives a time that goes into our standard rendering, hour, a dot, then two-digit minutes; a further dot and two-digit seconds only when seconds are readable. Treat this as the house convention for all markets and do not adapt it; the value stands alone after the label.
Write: 7.16
